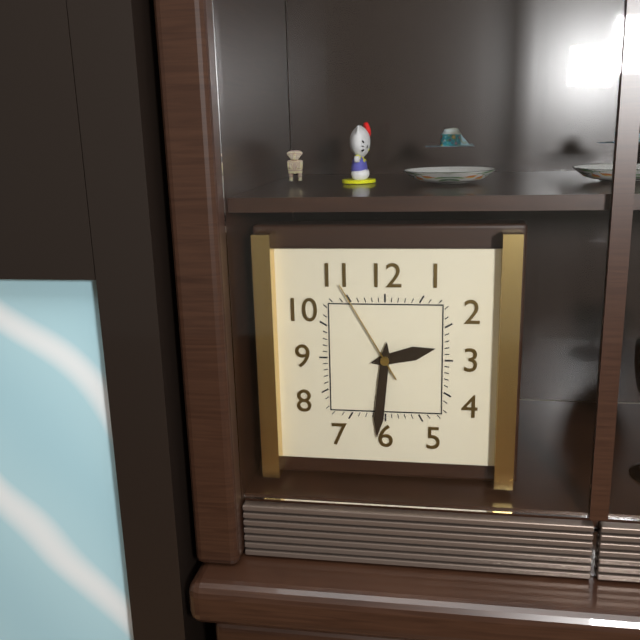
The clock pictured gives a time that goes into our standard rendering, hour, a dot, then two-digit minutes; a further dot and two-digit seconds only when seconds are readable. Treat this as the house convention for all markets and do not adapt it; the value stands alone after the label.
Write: 2.31.55
